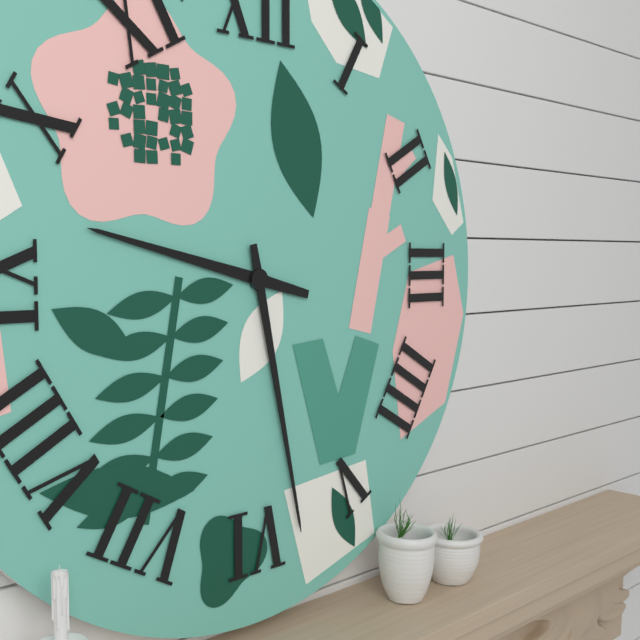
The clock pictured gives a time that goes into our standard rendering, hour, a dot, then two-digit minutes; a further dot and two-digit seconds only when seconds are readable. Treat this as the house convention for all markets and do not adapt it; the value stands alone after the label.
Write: 9.28
